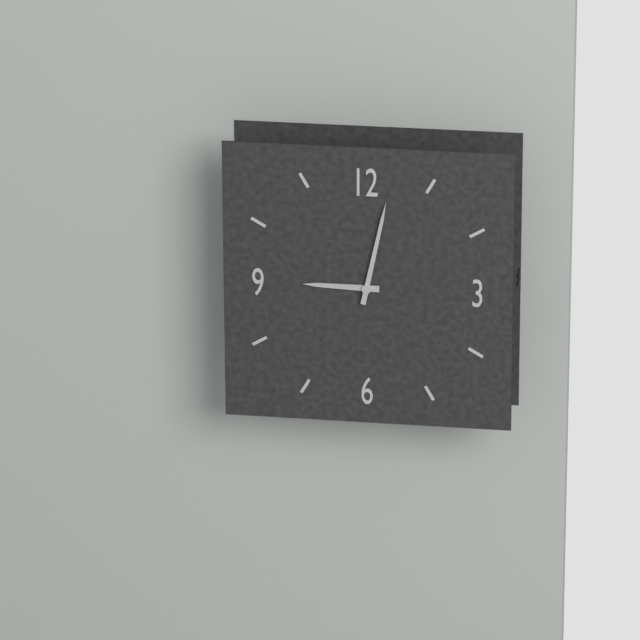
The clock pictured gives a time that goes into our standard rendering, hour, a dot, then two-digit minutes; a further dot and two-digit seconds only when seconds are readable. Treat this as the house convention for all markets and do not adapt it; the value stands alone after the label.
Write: 9.02
